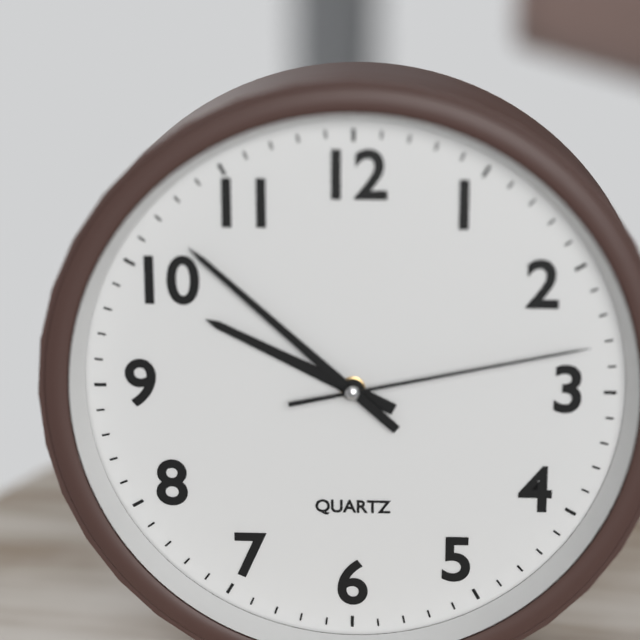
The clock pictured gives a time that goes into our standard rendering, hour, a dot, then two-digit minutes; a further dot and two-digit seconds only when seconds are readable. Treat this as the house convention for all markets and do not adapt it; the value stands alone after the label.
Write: 9.52.13
